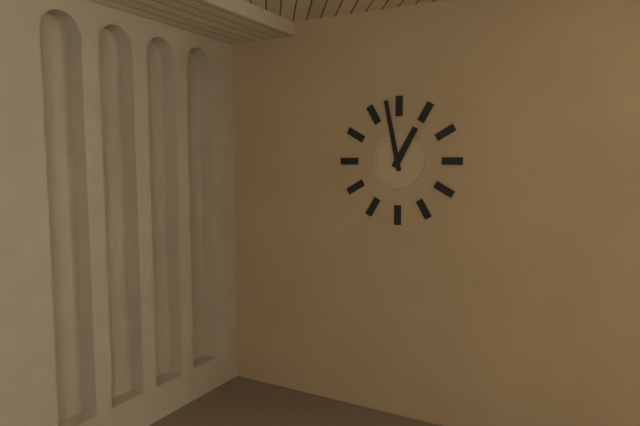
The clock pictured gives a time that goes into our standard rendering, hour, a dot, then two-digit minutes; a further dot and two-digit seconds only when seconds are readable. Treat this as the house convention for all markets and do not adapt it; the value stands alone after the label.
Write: 12.58
